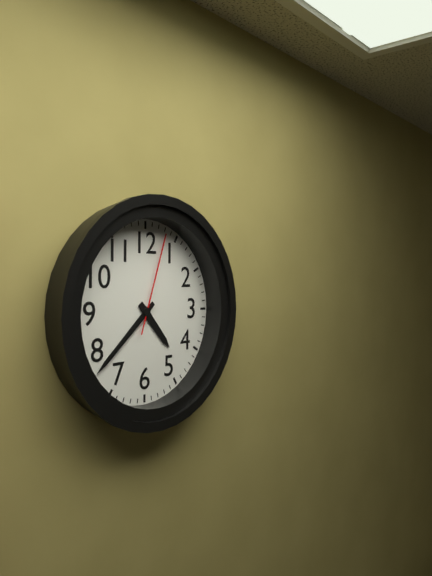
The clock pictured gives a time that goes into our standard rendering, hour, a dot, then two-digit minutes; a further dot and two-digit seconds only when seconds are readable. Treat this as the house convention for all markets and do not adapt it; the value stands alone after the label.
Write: 4.38.03
